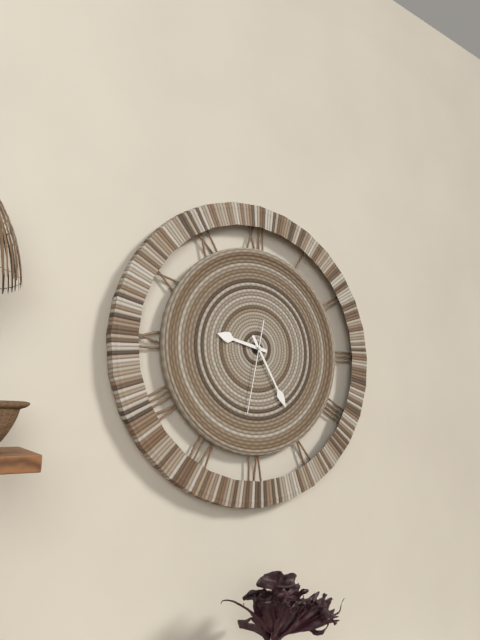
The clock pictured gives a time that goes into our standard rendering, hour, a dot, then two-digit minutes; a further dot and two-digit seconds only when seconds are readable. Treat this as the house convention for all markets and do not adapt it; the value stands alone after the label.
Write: 9.25.32
